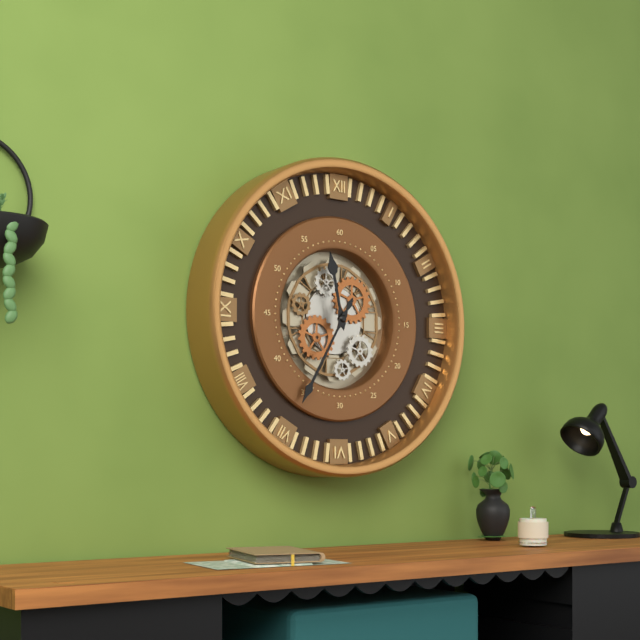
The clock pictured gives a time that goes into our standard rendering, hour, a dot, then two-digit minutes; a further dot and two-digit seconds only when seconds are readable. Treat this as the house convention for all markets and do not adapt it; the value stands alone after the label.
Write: 11.35
